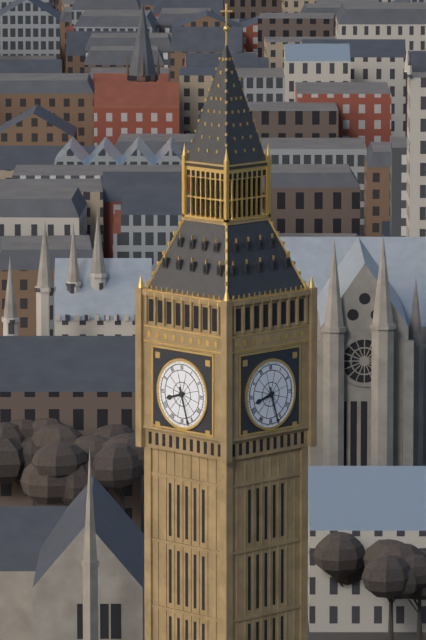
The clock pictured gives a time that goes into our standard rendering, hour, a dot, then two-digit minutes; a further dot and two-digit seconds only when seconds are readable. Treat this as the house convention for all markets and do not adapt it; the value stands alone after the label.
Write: 8.27
